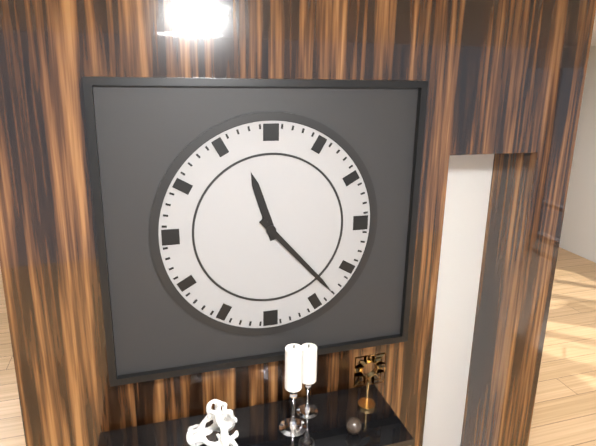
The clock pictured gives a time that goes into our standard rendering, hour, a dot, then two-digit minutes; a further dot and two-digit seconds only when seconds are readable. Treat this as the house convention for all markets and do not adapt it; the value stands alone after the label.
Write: 11.23
